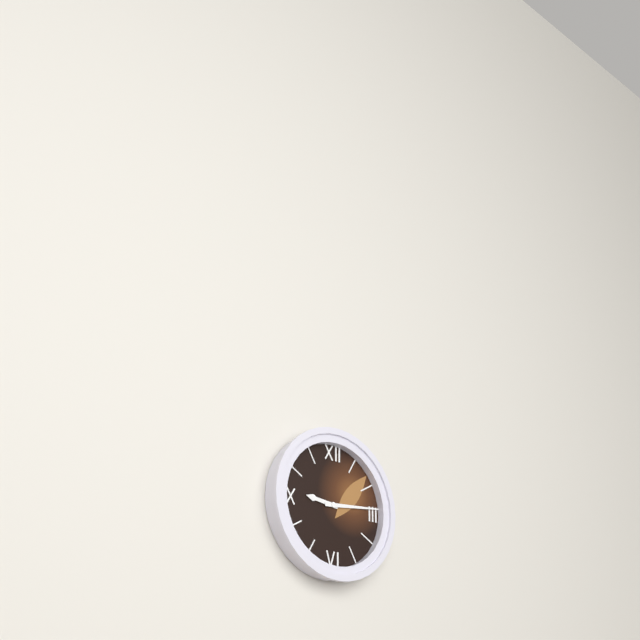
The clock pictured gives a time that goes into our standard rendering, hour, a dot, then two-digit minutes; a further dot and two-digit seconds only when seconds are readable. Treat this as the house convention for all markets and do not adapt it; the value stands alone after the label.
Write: 9.14
